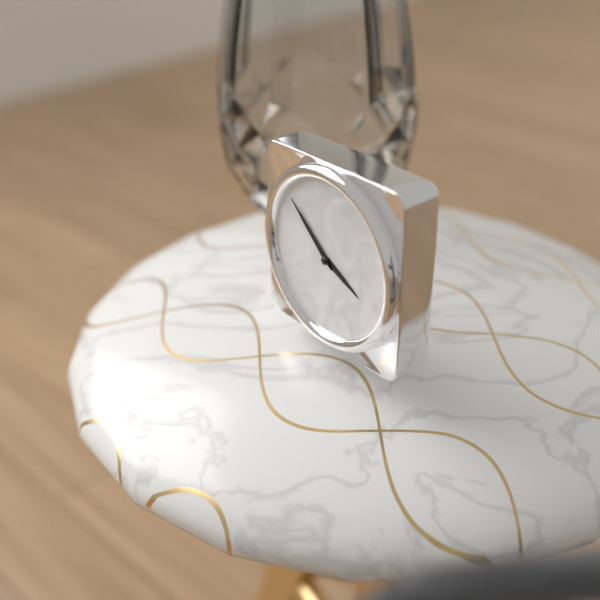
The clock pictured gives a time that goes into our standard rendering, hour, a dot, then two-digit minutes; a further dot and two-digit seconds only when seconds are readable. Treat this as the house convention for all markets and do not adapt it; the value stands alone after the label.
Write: 3.52
